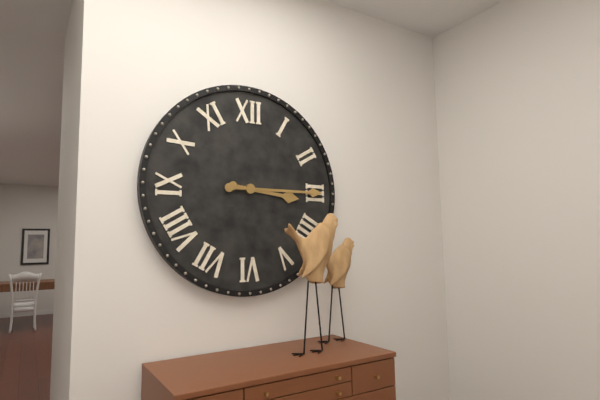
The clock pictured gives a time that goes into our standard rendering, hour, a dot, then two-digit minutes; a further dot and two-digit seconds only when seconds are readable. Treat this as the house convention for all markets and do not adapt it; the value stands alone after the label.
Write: 3.15
